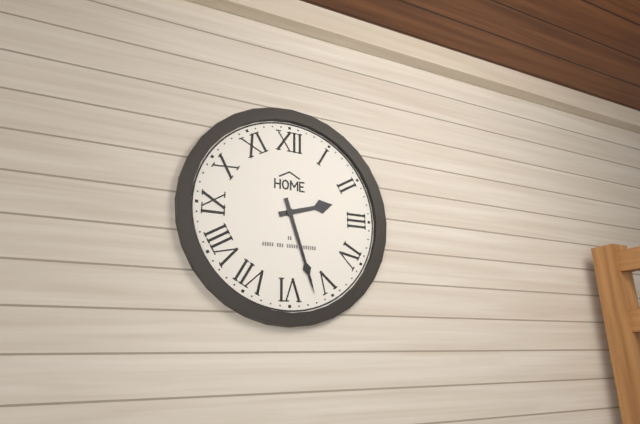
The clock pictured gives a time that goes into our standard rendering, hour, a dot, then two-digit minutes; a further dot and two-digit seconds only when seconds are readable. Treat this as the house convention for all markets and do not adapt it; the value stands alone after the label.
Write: 2.27
